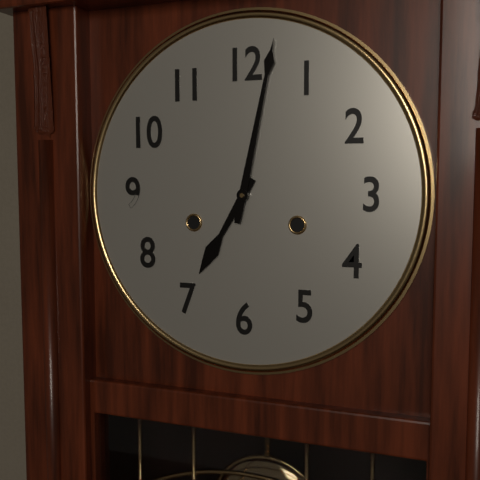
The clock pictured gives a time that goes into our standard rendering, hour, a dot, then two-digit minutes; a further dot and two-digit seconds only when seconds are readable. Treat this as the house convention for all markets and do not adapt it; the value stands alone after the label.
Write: 7.02
